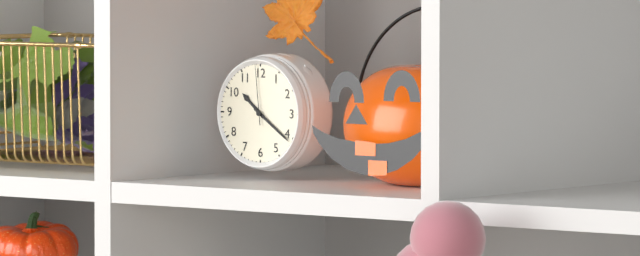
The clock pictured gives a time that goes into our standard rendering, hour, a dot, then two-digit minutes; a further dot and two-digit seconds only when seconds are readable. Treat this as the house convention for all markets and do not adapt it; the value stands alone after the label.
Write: 10.21.59
